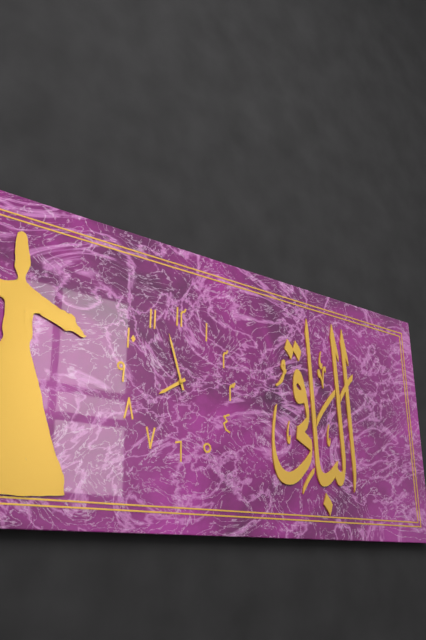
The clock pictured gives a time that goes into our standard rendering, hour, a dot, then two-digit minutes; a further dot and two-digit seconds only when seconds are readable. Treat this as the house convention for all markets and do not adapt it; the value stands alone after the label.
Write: 7.57
